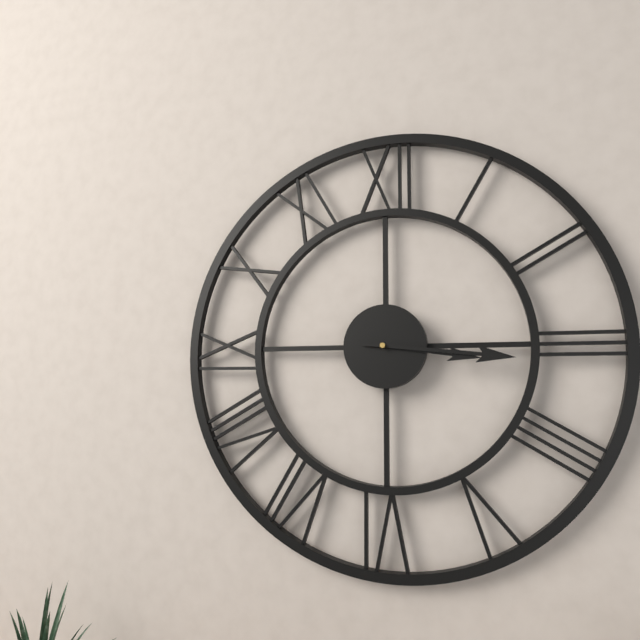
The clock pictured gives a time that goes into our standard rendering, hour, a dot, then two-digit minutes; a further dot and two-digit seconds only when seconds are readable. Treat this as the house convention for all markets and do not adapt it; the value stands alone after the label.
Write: 3.16
